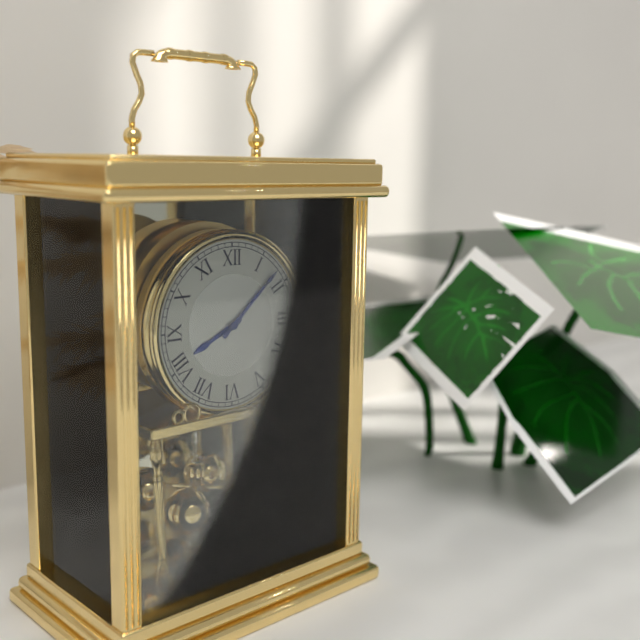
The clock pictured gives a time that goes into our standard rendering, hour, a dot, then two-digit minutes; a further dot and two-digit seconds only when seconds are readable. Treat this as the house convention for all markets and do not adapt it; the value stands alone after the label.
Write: 8.08
